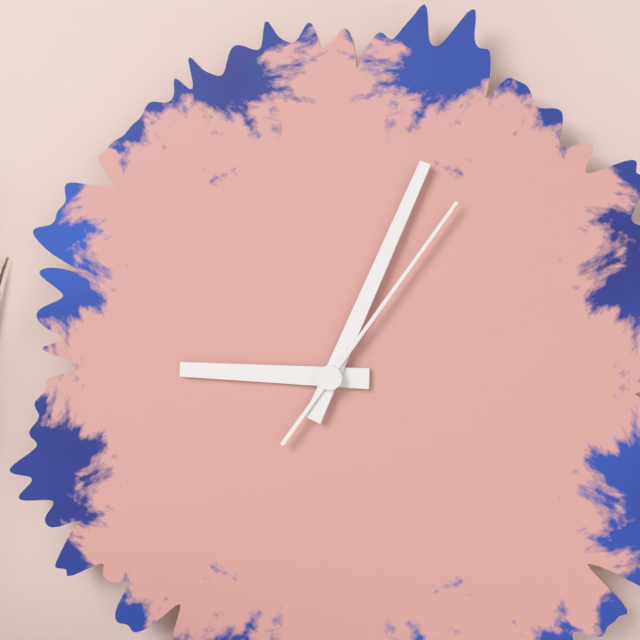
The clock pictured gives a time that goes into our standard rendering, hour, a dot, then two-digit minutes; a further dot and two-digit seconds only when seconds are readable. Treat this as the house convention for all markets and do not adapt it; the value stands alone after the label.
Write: 9.04.06
